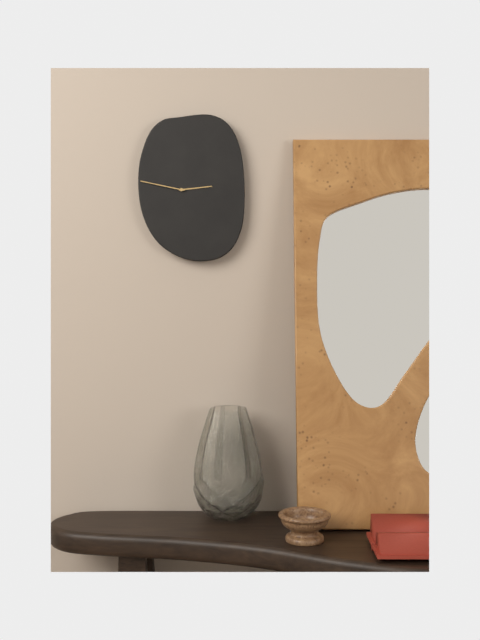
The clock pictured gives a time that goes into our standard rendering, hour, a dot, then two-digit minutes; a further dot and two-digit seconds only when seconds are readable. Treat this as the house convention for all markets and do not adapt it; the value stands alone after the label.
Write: 2.47
